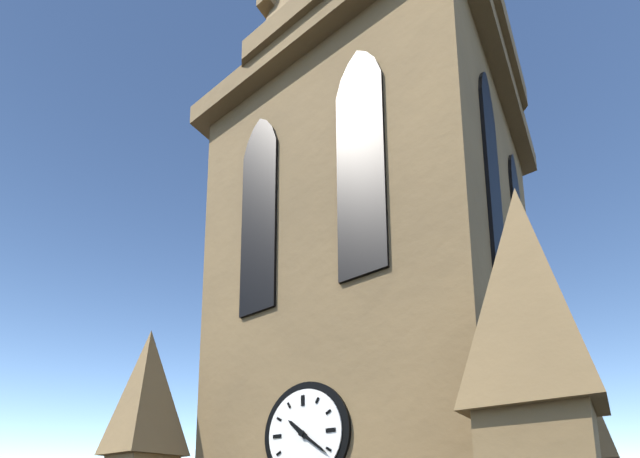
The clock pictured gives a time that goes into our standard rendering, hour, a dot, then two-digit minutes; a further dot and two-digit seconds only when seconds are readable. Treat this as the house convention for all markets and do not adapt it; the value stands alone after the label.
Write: 10.21
